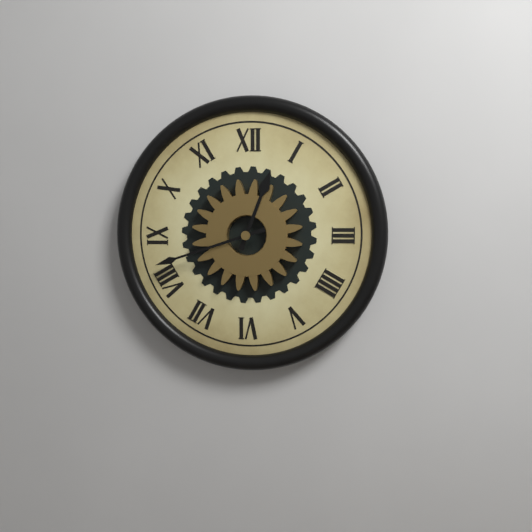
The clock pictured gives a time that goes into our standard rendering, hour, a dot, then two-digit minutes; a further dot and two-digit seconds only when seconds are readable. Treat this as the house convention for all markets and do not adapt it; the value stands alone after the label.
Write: 12.42
